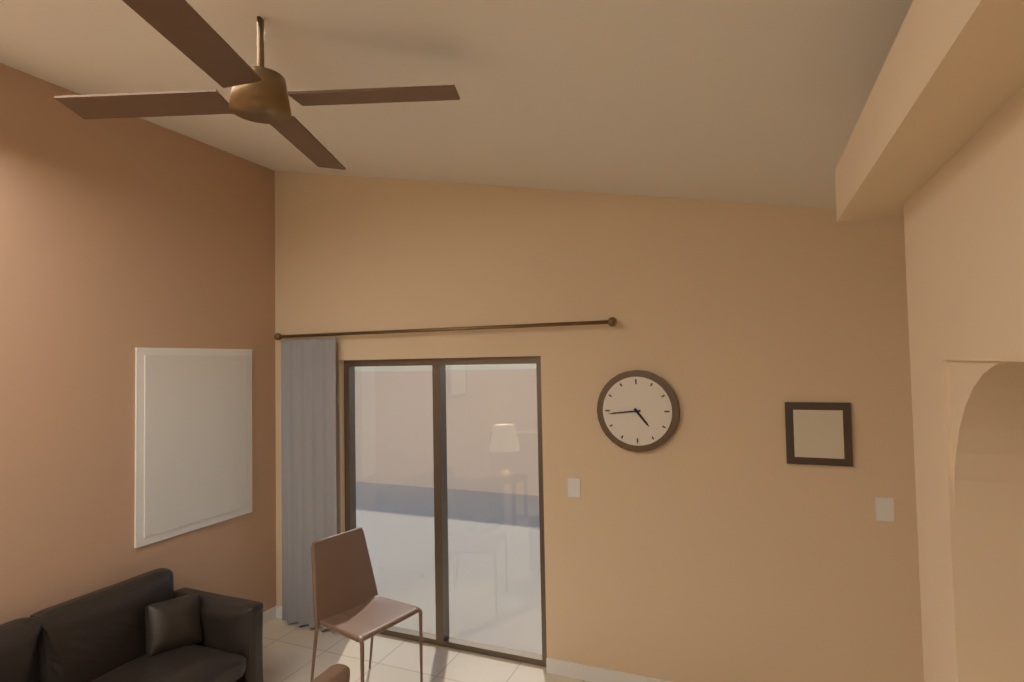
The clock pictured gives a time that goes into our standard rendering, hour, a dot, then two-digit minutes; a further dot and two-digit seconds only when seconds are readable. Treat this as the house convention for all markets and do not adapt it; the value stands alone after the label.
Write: 4.44
